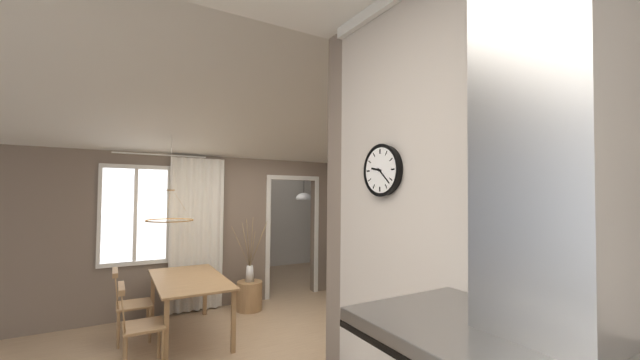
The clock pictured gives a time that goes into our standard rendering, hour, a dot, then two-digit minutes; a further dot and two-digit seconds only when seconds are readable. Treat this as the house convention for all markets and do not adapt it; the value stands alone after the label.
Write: 9.22
